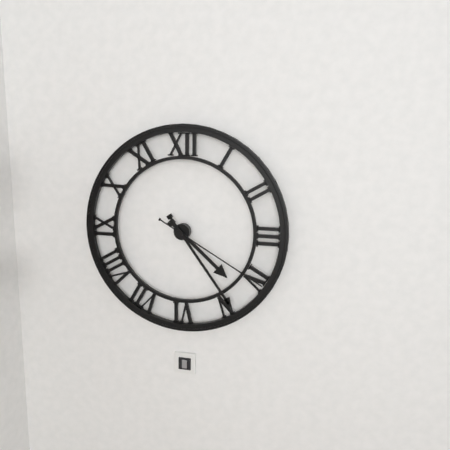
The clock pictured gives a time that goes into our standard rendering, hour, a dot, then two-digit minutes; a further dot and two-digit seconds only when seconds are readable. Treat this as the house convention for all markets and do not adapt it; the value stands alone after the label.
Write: 4.24.20
